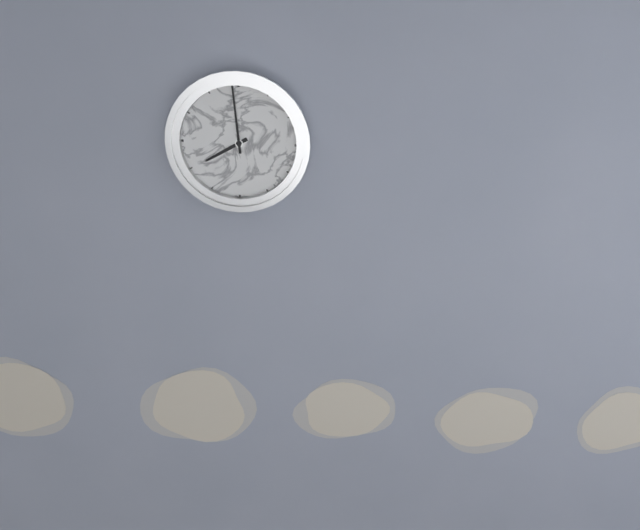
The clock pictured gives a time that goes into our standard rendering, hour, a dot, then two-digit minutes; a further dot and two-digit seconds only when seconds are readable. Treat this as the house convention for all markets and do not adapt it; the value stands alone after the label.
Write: 7.59
